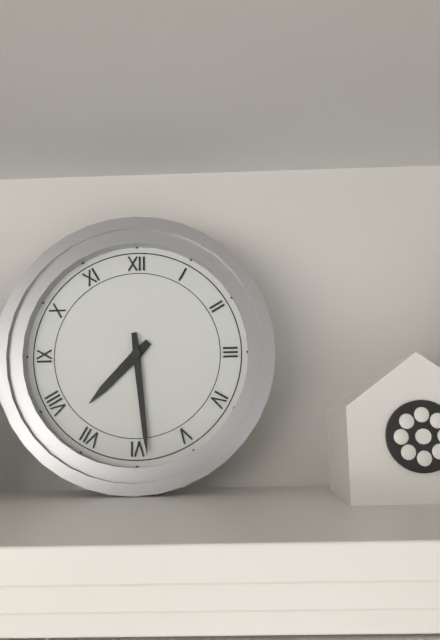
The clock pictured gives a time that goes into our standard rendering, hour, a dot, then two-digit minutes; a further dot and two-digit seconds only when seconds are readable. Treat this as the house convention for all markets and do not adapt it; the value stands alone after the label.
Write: 7.29
